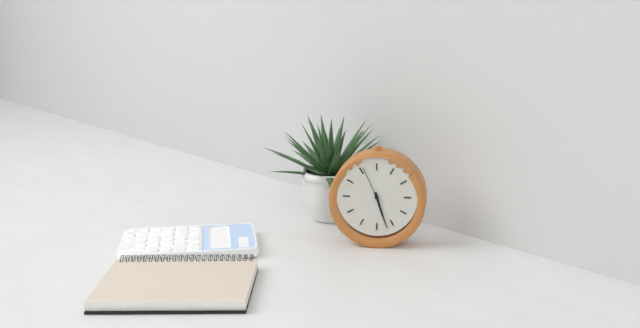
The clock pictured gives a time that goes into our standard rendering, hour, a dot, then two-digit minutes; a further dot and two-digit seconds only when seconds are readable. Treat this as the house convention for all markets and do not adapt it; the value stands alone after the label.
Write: 5.27
